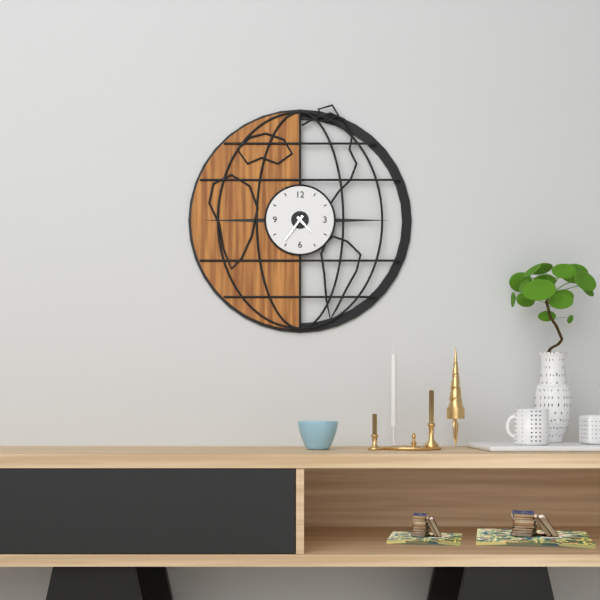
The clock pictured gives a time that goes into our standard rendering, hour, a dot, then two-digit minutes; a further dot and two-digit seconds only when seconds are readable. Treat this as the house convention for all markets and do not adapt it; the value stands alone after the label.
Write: 4.36
